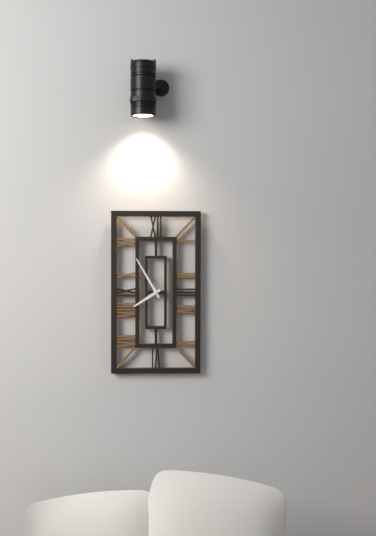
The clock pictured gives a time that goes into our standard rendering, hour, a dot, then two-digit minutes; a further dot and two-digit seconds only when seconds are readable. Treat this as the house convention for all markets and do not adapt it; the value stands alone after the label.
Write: 7.55
